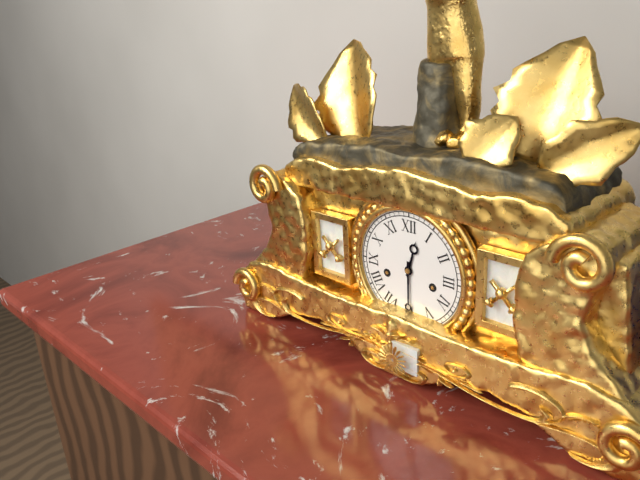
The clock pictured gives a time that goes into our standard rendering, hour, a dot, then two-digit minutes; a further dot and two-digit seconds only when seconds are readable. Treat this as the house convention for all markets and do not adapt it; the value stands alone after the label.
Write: 12.30
